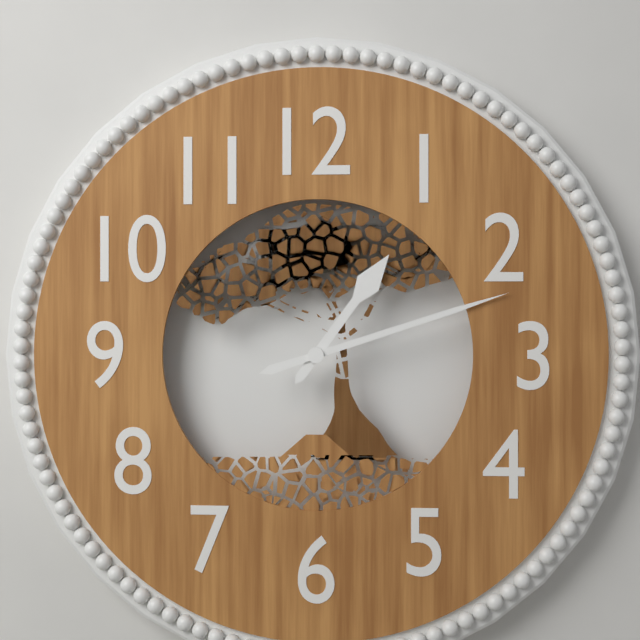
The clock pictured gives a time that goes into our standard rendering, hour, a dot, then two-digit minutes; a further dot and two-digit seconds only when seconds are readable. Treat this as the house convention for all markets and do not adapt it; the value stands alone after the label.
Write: 1.12
